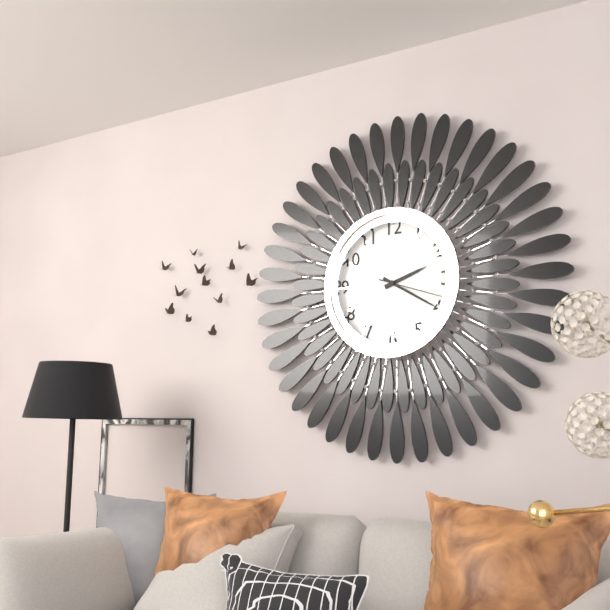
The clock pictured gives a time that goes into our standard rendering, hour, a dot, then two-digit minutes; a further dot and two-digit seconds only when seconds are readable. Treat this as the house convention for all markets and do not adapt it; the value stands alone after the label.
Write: 2.20.18
